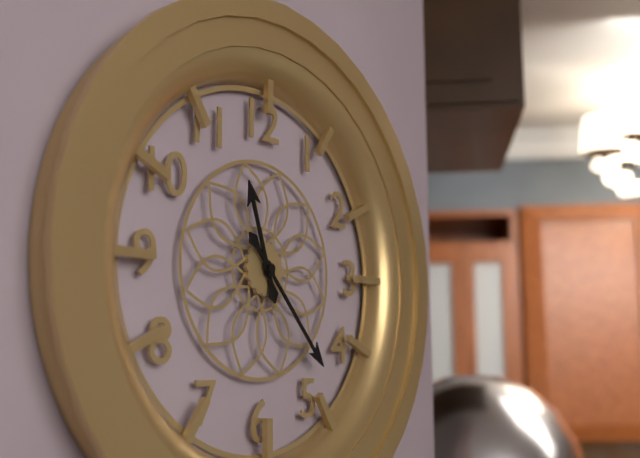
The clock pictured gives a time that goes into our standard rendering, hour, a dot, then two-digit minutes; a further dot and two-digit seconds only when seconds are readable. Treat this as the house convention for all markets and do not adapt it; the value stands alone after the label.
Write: 11.23
